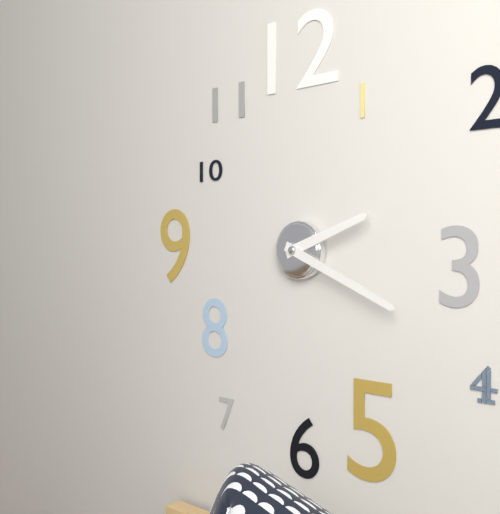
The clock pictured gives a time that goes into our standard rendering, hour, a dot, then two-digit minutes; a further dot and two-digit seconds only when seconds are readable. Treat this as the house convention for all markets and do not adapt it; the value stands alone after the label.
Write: 2.19
